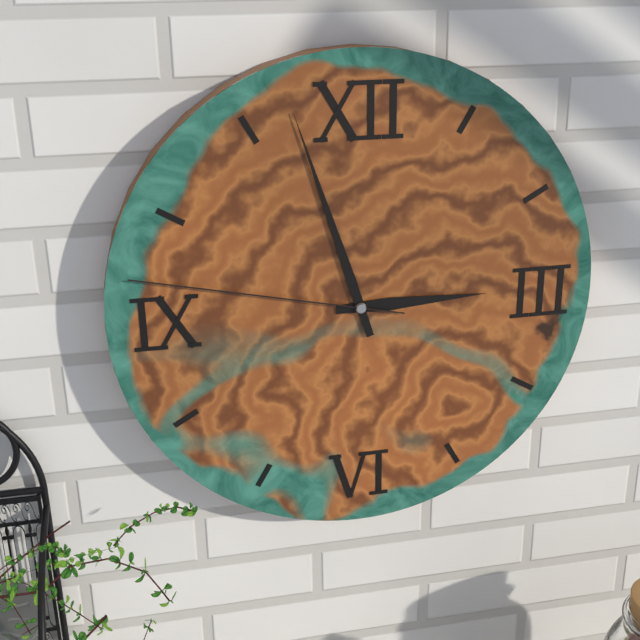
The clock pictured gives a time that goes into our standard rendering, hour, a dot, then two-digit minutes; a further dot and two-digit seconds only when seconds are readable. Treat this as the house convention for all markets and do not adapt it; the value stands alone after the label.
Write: 2.57.47
